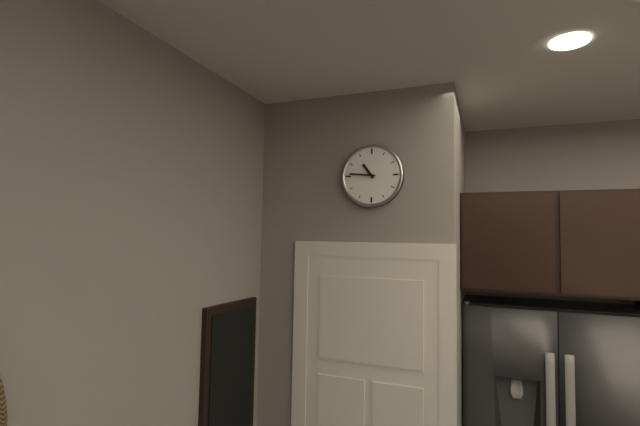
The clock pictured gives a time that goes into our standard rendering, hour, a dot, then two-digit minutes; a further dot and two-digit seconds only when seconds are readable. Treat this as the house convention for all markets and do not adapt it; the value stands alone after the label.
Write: 10.46
